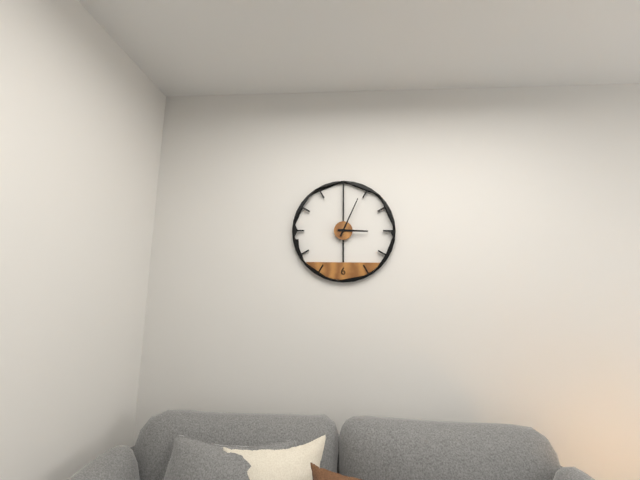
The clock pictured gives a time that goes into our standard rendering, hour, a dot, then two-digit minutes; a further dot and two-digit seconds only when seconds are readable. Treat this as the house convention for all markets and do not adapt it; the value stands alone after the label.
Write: 3.04
